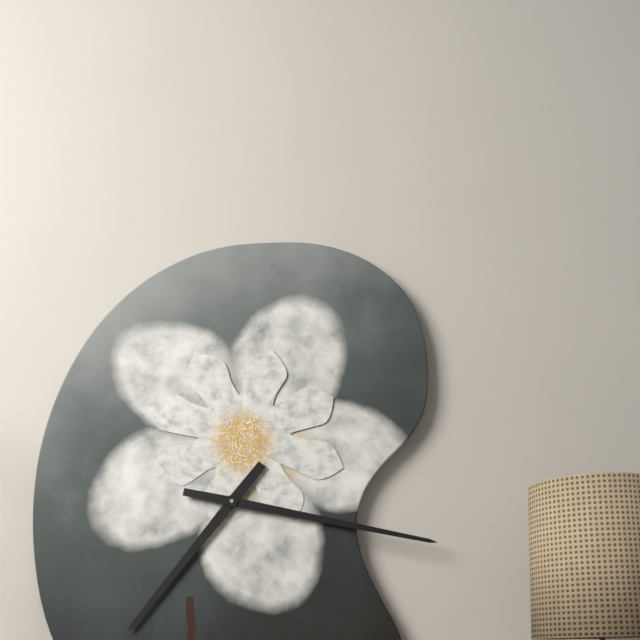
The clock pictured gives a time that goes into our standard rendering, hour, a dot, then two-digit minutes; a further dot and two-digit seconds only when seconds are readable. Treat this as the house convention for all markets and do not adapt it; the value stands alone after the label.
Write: 7.17
